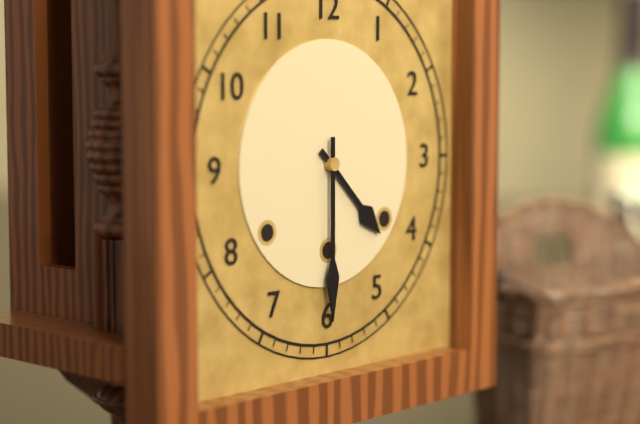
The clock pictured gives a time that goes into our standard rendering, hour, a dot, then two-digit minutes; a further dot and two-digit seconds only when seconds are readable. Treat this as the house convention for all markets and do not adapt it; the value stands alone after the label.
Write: 4.30
